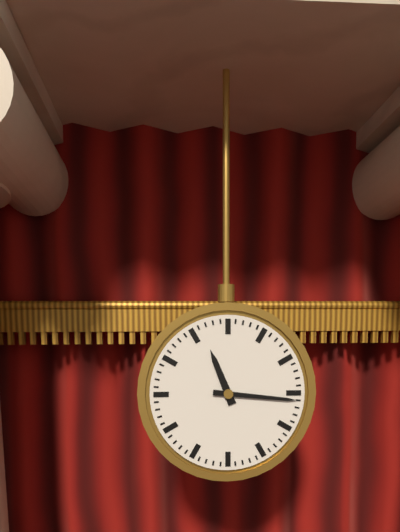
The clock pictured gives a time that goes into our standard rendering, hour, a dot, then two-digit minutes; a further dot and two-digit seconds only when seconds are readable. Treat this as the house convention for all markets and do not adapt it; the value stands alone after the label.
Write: 11.16
